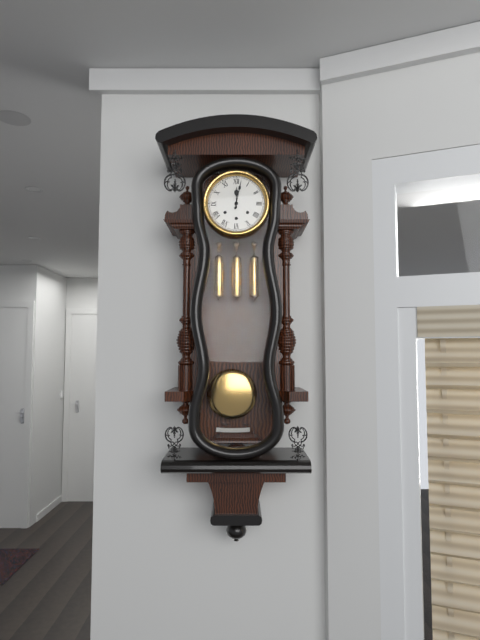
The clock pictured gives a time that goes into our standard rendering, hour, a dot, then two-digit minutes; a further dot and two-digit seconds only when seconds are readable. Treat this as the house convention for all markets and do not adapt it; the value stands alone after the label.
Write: 12.02
